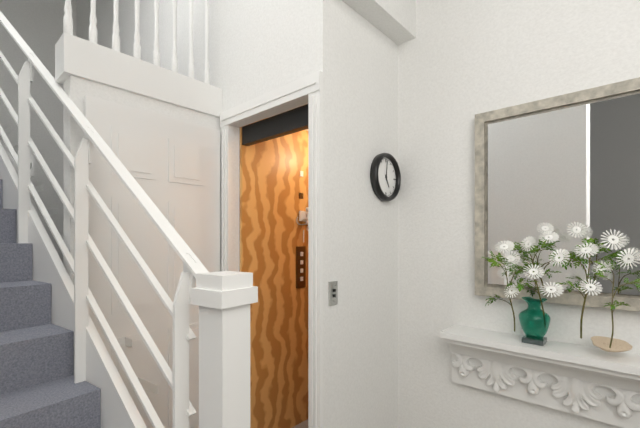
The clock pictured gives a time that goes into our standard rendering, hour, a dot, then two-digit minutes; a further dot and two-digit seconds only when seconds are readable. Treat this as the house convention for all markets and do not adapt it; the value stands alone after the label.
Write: 5.01
